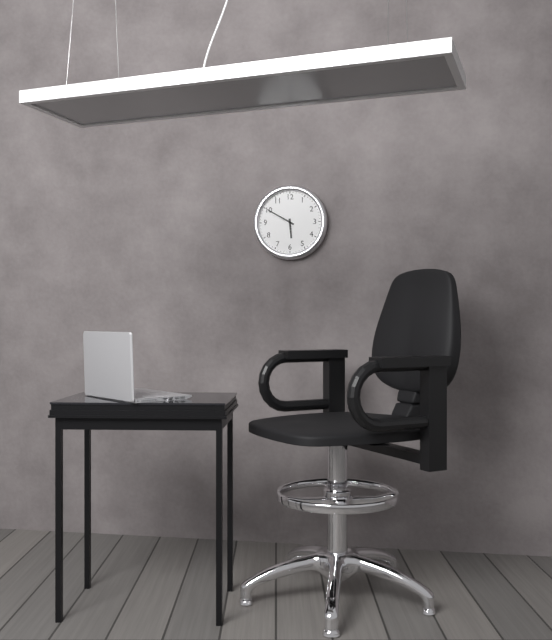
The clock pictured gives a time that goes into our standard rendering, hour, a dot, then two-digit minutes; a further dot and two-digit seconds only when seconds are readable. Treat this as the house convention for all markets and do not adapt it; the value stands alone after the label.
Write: 5.50
